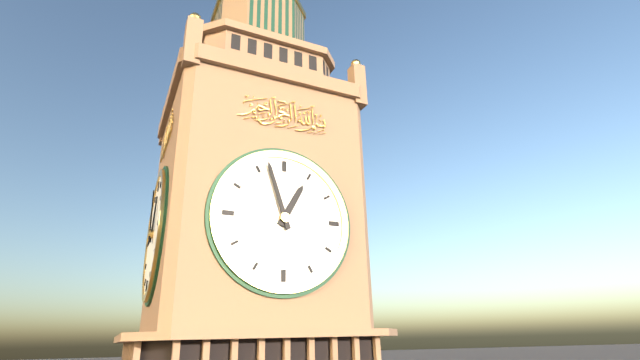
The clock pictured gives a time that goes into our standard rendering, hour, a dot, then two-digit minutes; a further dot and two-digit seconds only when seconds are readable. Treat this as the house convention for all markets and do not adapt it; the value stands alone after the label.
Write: 12.57
